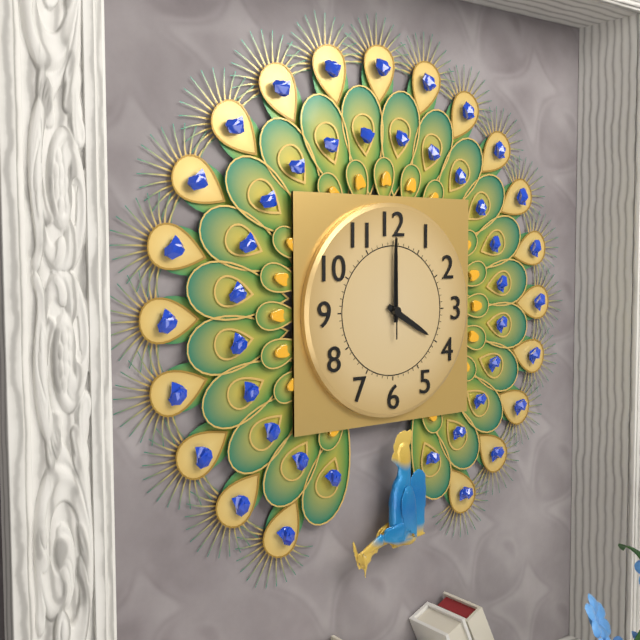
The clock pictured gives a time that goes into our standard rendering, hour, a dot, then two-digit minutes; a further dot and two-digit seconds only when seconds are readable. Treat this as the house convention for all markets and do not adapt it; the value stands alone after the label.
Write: 4.00.00
